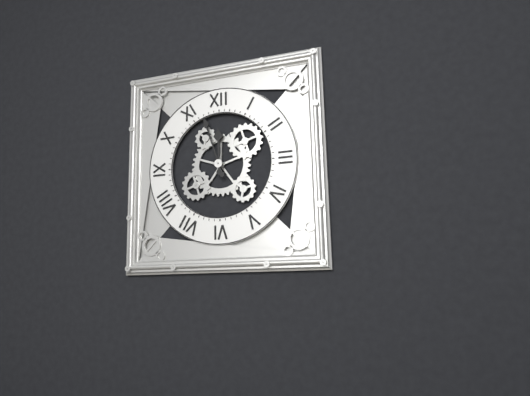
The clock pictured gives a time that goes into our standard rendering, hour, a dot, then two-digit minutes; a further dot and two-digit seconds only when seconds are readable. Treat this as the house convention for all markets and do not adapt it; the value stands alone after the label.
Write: 11.57
